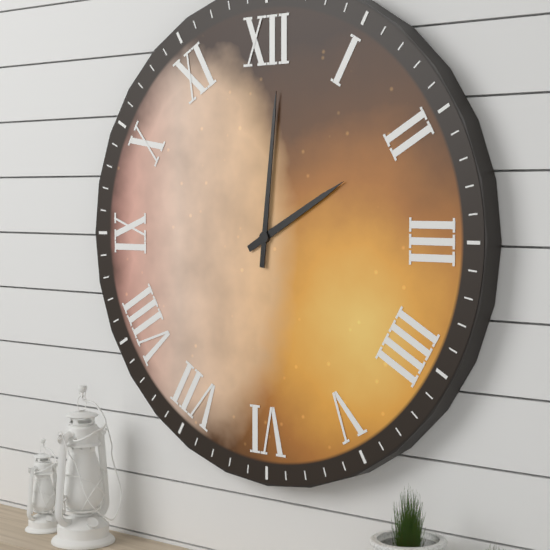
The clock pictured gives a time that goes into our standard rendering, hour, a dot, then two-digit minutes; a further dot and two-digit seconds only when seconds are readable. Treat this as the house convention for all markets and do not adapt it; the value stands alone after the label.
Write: 2.01
